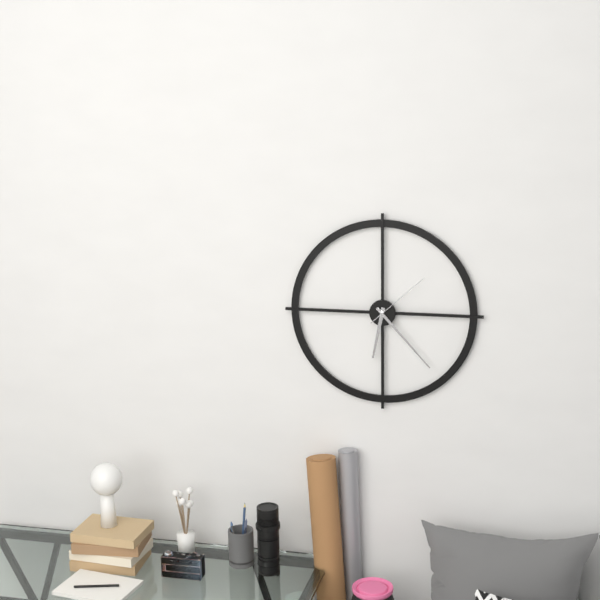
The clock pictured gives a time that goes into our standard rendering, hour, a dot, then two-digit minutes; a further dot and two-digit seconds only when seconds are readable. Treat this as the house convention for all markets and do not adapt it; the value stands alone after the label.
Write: 6.23.08
